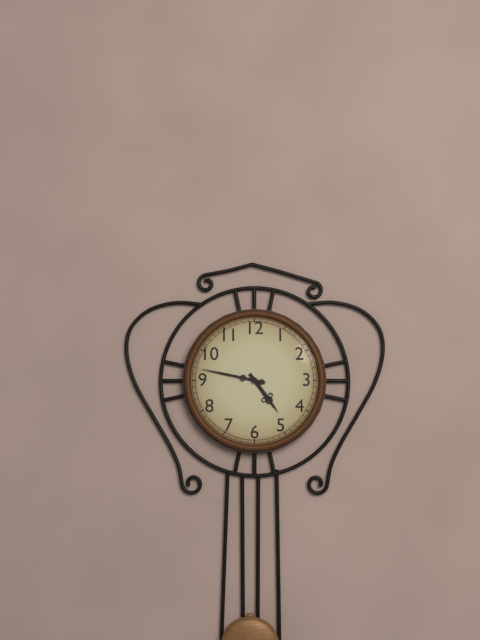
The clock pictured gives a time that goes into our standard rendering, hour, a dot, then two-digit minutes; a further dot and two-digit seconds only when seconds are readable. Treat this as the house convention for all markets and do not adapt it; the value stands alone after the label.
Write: 4.47
